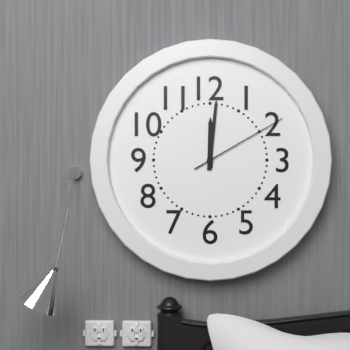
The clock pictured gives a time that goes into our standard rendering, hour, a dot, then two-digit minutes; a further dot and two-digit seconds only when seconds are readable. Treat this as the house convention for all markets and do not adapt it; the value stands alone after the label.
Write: 12.01.10
